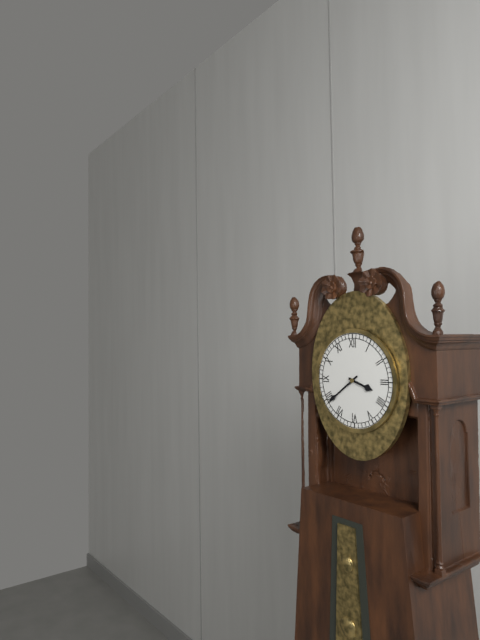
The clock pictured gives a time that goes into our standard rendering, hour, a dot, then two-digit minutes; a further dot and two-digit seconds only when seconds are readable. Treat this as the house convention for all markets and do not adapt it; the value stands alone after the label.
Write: 3.39
